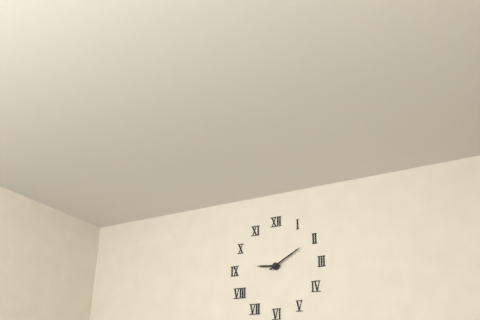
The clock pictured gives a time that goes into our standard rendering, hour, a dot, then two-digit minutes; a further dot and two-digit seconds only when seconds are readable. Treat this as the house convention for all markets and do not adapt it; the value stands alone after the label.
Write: 9.10
